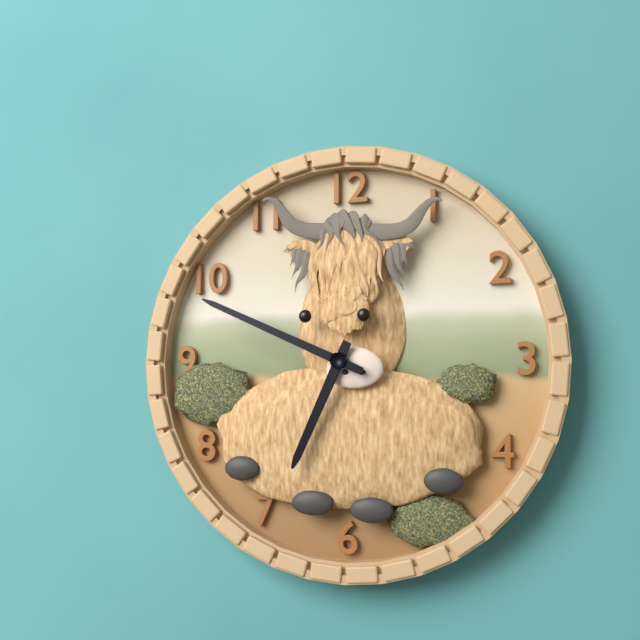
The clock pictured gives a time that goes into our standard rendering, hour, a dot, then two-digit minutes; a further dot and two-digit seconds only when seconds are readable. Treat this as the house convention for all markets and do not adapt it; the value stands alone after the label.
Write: 6.49
